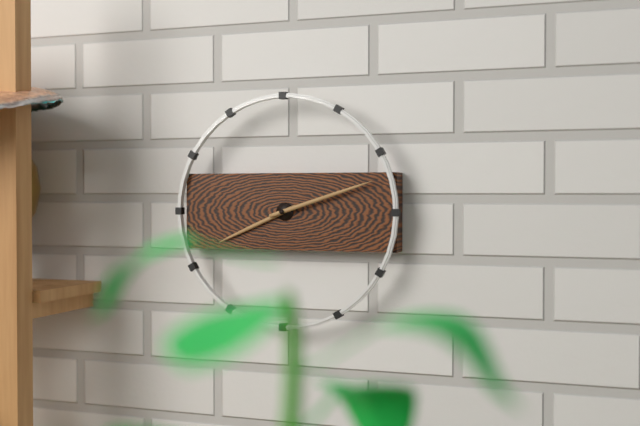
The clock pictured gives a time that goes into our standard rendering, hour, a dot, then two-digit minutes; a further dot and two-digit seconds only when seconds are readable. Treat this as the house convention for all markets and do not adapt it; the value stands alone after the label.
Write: 8.12
